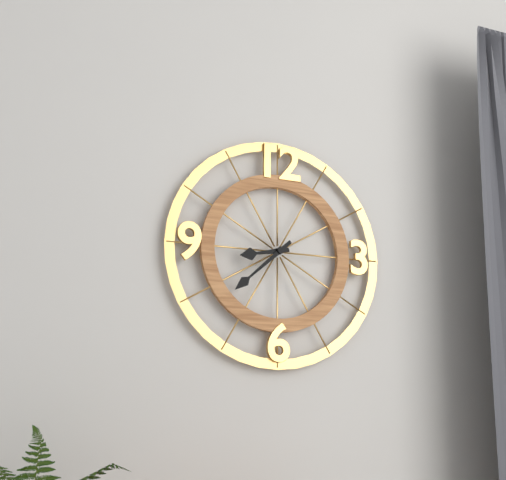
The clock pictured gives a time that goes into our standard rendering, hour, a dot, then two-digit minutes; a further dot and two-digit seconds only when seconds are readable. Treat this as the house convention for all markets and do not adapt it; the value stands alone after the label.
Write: 8.38
